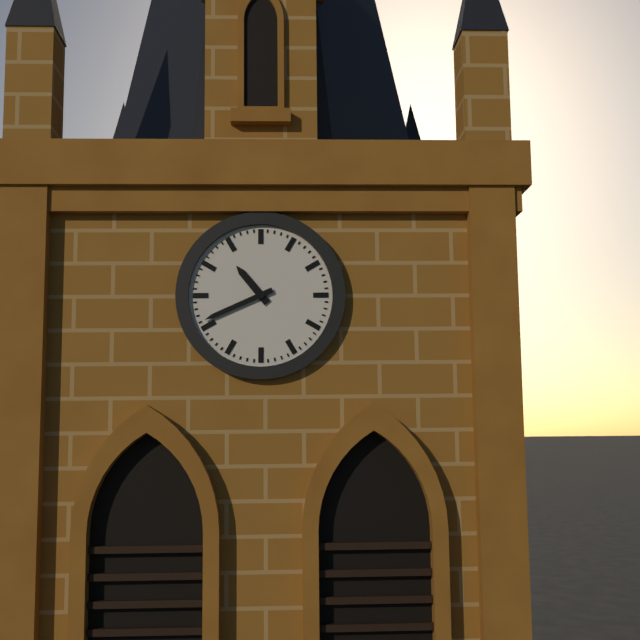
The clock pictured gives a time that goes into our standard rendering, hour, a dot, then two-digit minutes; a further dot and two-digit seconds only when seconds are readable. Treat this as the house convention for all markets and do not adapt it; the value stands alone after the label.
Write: 10.41
